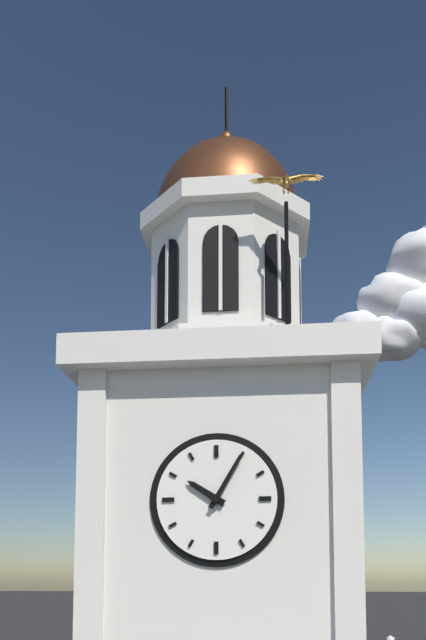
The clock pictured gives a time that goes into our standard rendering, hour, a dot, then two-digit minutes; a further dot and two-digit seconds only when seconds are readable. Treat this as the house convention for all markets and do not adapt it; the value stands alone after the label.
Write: 10.05
